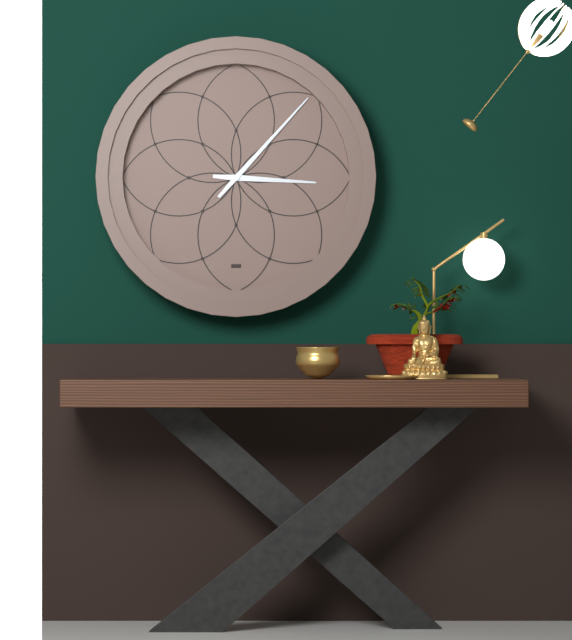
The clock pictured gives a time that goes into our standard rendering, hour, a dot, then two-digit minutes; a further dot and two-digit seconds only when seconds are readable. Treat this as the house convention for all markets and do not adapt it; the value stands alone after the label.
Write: 3.07
